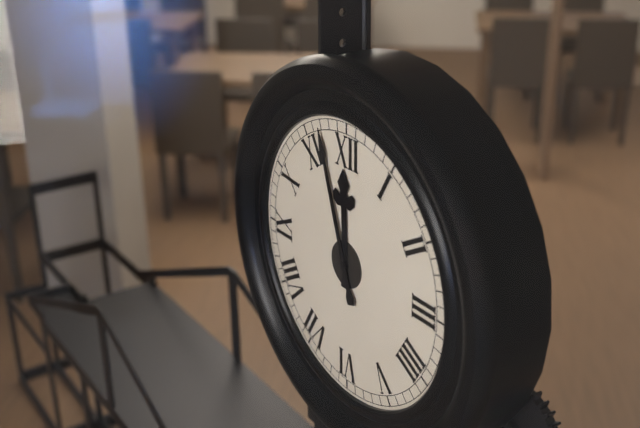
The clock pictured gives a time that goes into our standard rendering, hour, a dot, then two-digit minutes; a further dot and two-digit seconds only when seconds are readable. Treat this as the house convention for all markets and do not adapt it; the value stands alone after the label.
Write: 11.57
